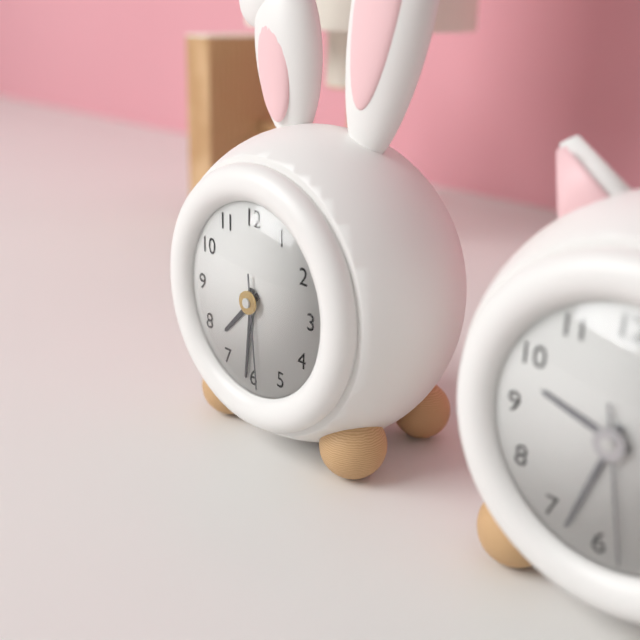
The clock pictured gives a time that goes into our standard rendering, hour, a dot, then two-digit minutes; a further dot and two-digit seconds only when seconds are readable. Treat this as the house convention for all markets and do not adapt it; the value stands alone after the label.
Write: 7.31.29
